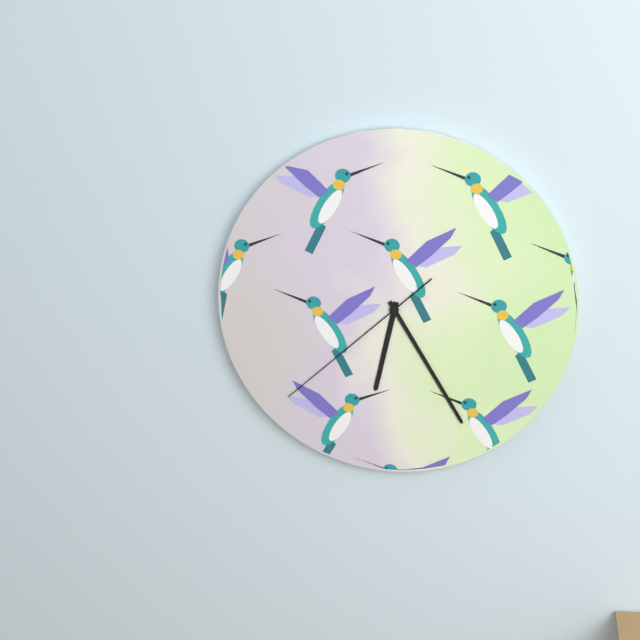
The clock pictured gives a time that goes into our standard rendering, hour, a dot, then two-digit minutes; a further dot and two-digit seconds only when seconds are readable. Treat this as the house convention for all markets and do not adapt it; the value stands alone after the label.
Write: 6.25.38
